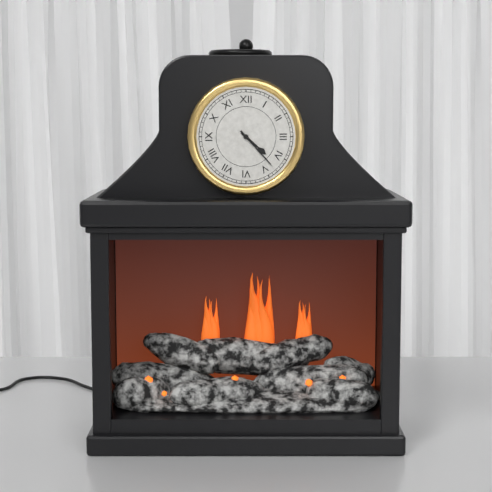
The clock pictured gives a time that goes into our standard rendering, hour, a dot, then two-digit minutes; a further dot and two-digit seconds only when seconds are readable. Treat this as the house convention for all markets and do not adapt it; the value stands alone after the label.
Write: 4.23
